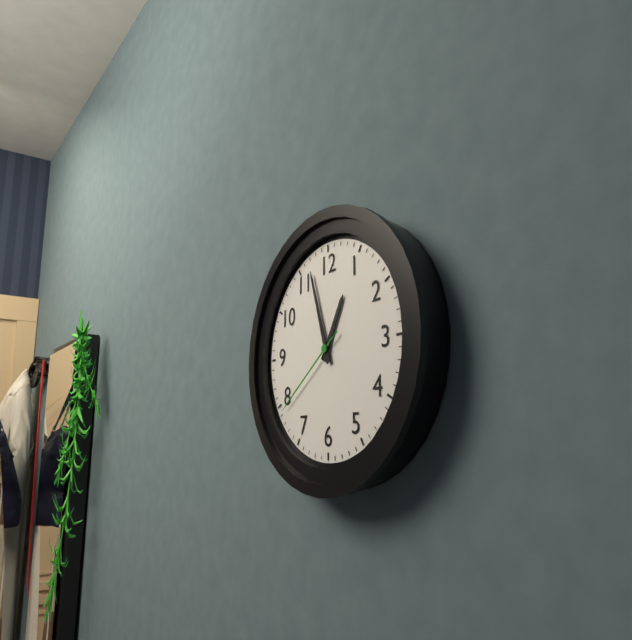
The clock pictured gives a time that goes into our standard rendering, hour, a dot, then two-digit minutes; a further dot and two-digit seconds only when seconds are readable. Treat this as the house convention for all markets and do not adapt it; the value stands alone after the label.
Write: 12.57.39
